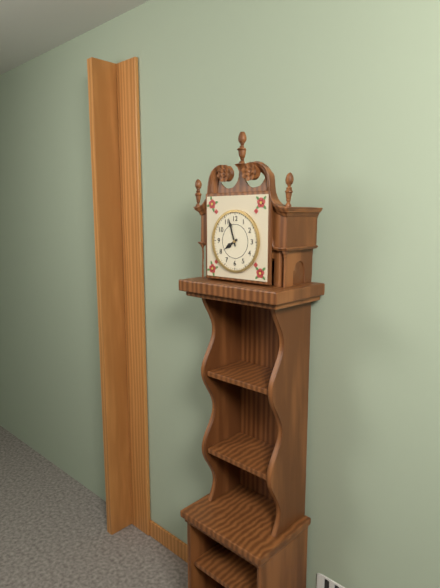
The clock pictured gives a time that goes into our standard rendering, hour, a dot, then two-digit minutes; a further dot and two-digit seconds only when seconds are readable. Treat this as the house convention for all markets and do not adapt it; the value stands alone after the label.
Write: 7.57
